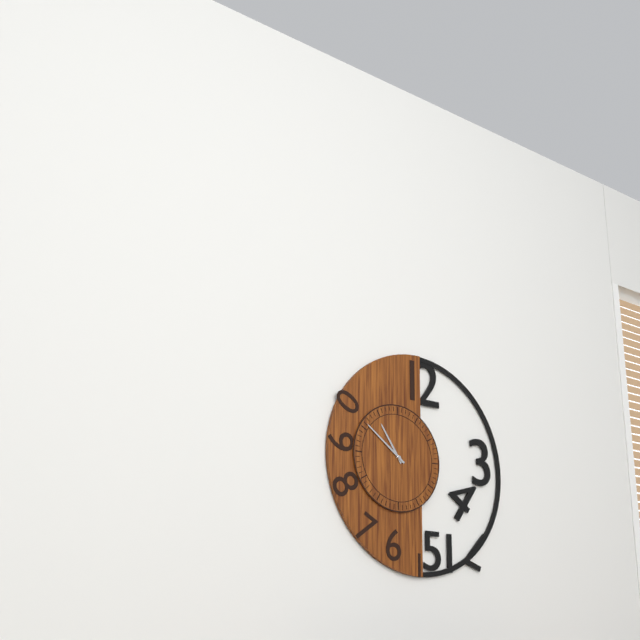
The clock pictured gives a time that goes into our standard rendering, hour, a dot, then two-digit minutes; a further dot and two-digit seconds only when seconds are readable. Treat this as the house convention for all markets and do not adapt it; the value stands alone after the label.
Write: 10.51
